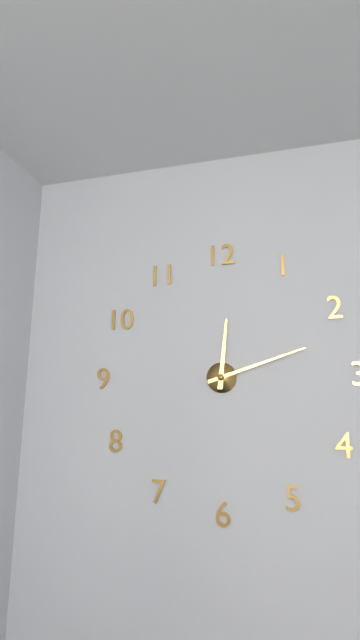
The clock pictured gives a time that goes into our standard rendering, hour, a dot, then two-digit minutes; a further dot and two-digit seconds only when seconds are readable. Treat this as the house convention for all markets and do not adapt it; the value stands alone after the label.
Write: 12.12
